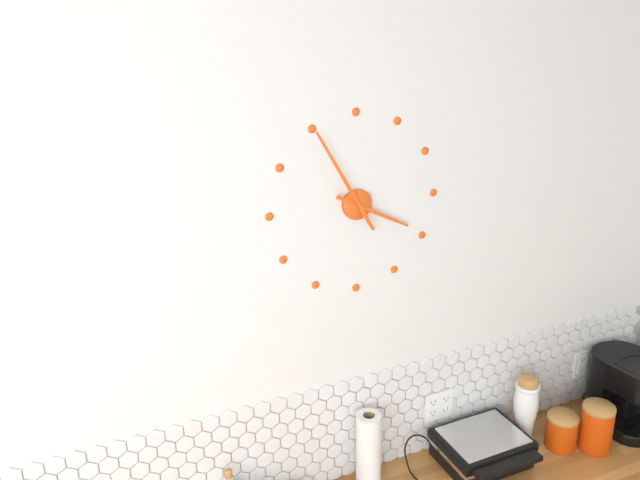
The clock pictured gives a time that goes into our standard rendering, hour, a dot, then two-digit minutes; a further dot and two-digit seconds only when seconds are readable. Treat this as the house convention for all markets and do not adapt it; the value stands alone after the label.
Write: 3.55
